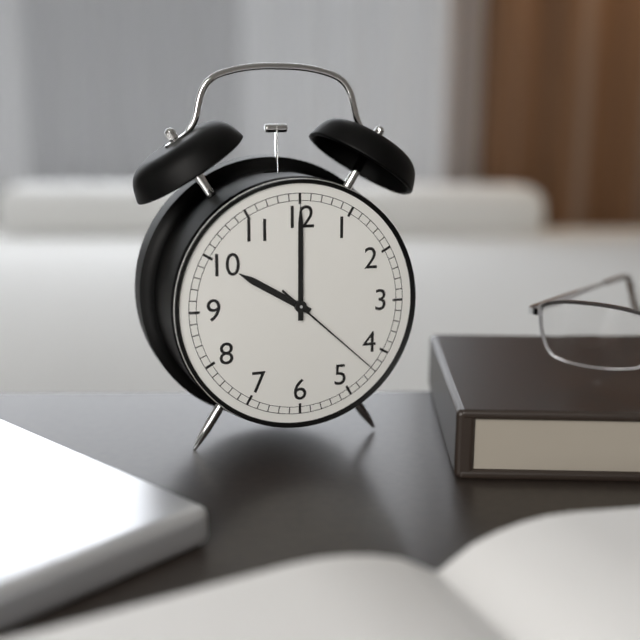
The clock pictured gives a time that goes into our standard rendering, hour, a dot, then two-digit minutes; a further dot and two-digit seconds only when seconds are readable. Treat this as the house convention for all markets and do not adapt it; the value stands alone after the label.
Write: 10.00.22
